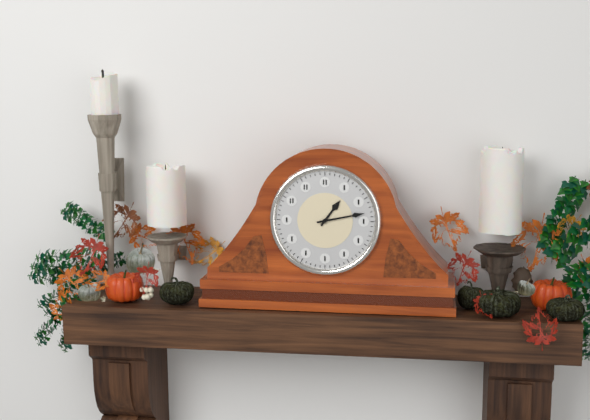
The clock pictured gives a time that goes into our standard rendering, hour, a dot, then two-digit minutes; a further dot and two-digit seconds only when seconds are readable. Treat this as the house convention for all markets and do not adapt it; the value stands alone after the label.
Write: 1.13
